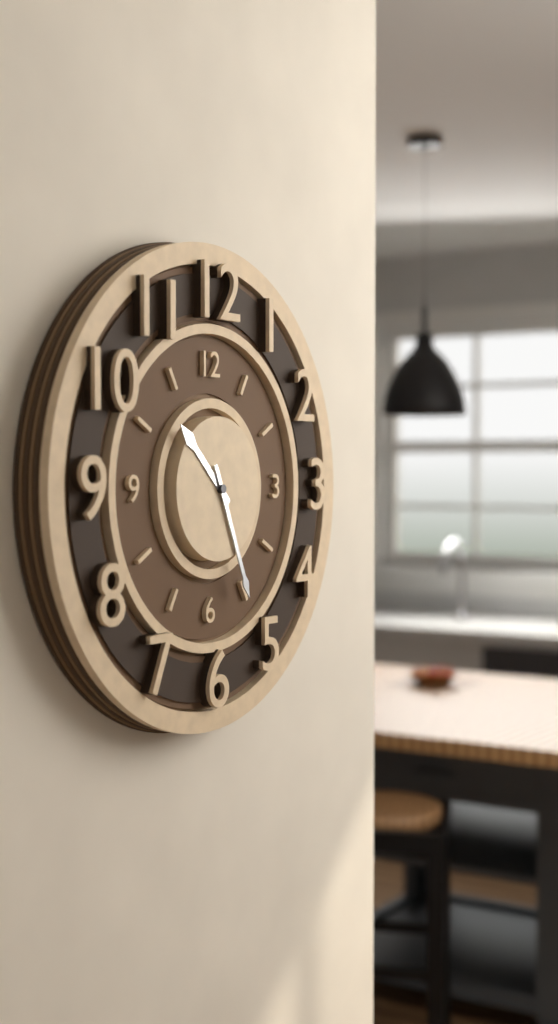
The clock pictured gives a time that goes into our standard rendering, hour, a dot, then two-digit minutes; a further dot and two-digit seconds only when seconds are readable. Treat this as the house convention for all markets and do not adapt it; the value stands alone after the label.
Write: 10.26
